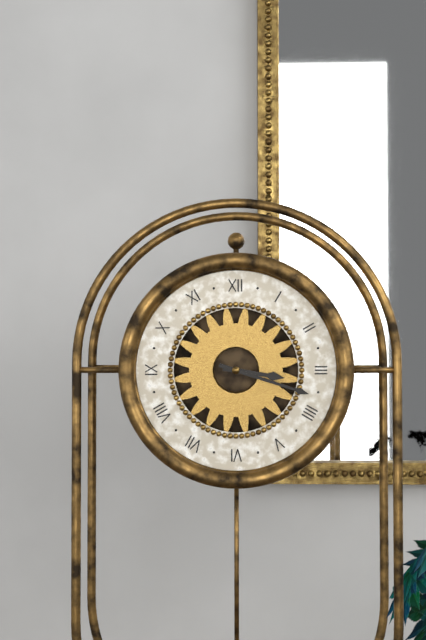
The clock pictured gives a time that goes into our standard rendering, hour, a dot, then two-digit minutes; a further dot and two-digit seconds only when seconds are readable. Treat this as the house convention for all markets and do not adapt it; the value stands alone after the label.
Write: 3.18
